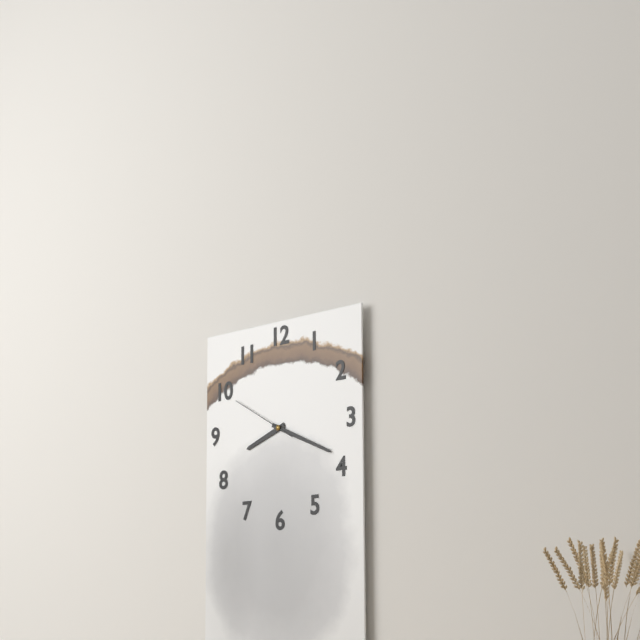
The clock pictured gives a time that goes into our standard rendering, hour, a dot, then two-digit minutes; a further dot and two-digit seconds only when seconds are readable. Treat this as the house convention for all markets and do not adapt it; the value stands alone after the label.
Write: 8.19.50
